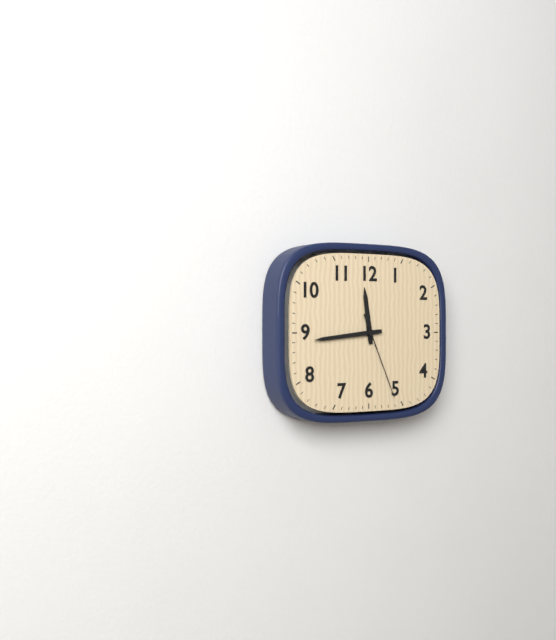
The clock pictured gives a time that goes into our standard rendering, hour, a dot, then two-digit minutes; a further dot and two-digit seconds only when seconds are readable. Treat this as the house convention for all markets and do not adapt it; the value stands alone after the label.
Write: 11.44.26
